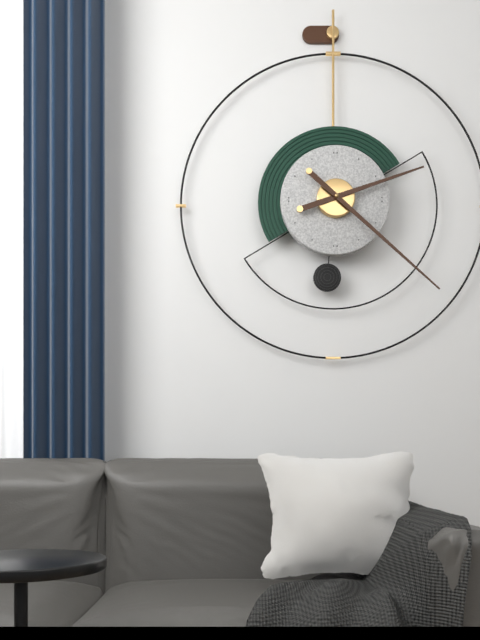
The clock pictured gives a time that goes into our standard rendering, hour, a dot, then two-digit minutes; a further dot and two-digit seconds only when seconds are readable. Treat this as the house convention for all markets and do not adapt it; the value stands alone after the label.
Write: 2.22
